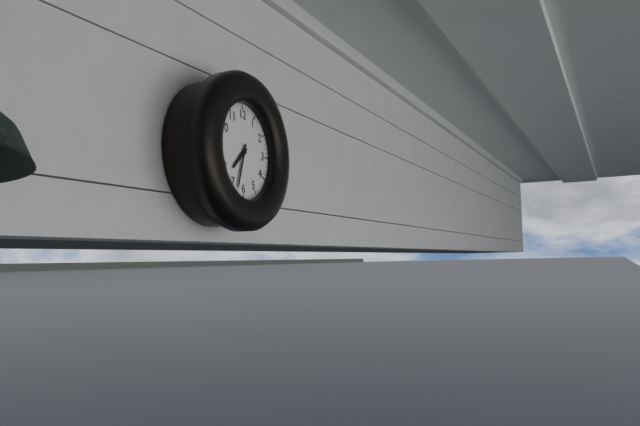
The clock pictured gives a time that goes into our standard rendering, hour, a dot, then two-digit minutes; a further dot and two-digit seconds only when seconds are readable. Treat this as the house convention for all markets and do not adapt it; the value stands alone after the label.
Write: 7.33
